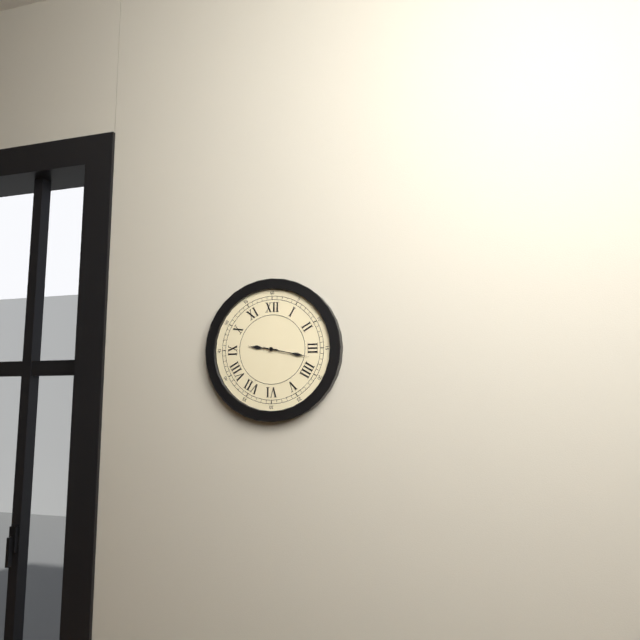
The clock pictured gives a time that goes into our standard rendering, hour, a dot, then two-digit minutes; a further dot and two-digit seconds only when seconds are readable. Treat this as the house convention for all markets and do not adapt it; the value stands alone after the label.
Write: 9.17
